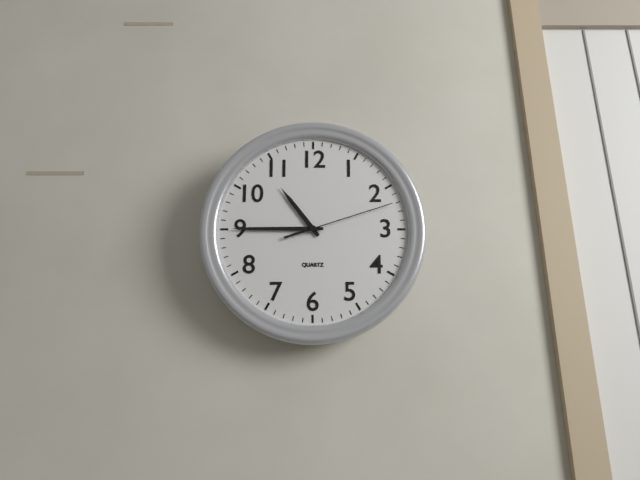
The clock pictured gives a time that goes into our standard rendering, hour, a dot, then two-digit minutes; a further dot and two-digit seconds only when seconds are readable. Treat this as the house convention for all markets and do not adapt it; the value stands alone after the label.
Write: 10.45.12
